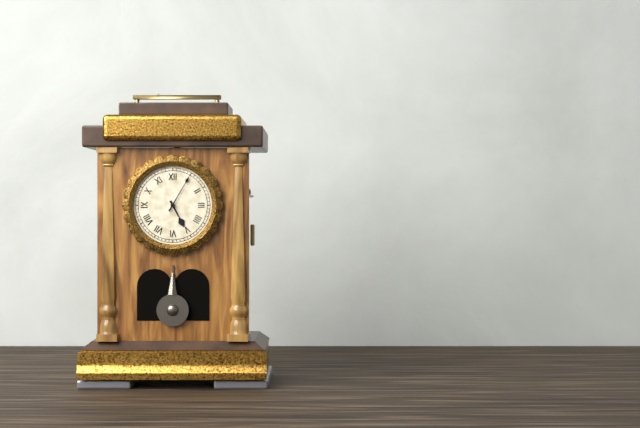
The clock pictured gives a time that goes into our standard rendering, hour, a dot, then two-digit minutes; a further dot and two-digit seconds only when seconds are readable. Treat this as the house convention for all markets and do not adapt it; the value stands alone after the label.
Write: 5.05
